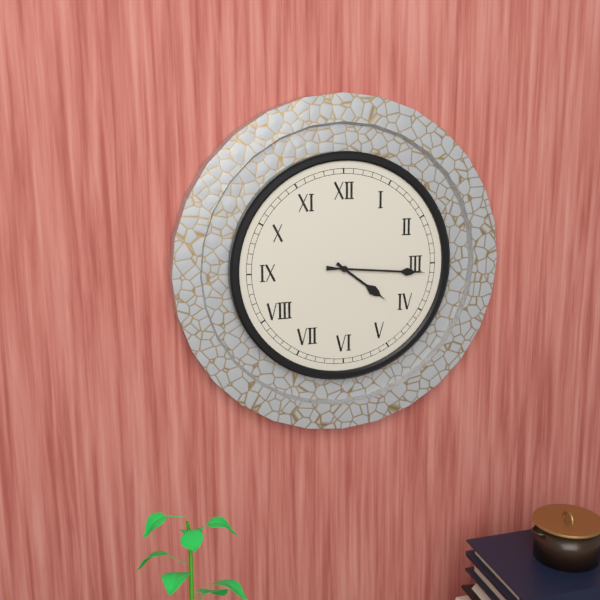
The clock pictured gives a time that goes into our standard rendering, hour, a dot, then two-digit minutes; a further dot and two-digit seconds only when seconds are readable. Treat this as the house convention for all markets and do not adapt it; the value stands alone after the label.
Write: 4.16
